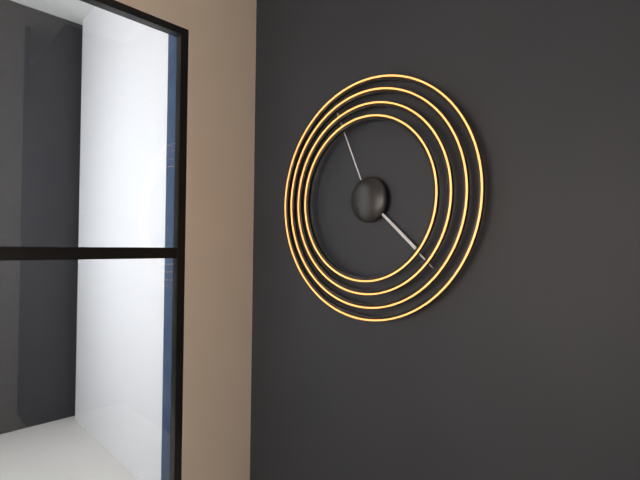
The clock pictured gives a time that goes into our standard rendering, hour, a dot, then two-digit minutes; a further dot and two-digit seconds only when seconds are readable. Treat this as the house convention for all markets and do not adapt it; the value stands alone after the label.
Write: 4.22.56
